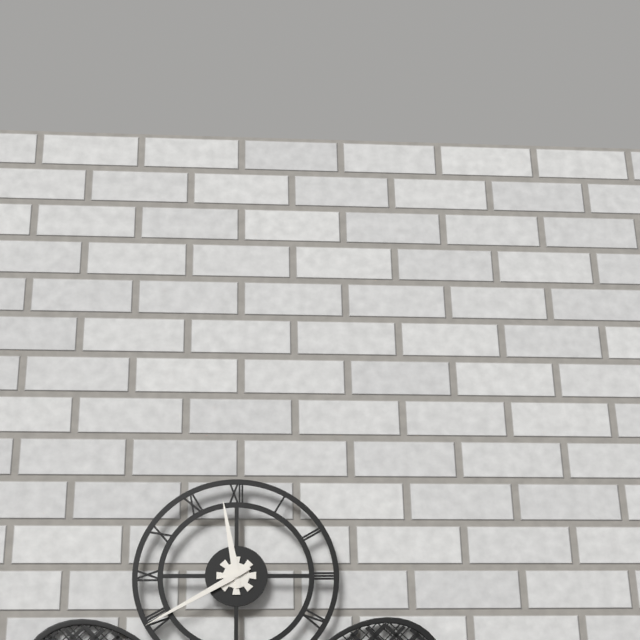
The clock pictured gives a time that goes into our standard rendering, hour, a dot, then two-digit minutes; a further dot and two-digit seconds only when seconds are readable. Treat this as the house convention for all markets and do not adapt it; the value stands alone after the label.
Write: 11.40
